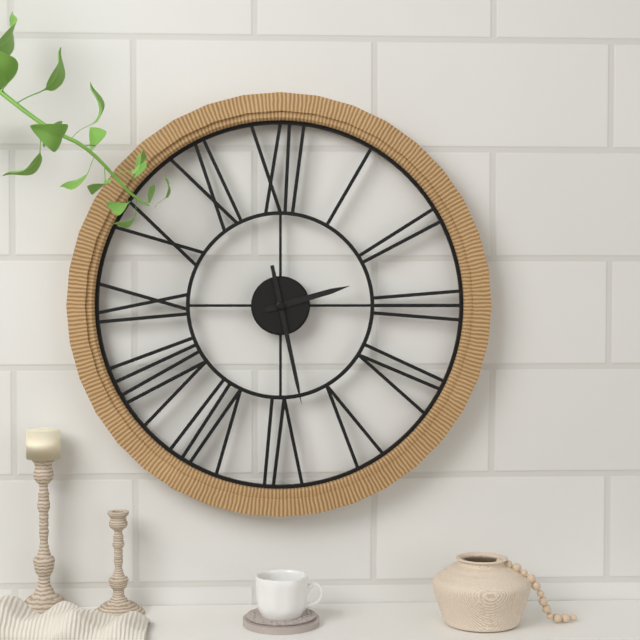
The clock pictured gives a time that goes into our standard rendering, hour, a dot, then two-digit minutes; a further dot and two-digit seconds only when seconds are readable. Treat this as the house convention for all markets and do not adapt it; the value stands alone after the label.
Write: 2.28
